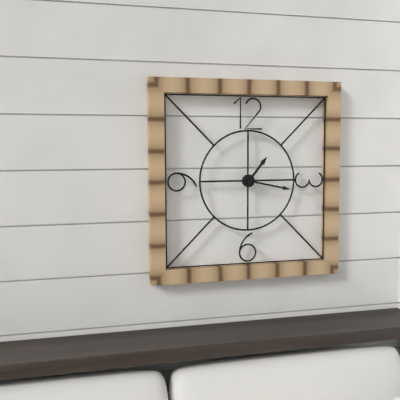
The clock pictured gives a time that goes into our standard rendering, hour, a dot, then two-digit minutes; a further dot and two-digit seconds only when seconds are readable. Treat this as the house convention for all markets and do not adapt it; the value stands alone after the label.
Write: 1.17
